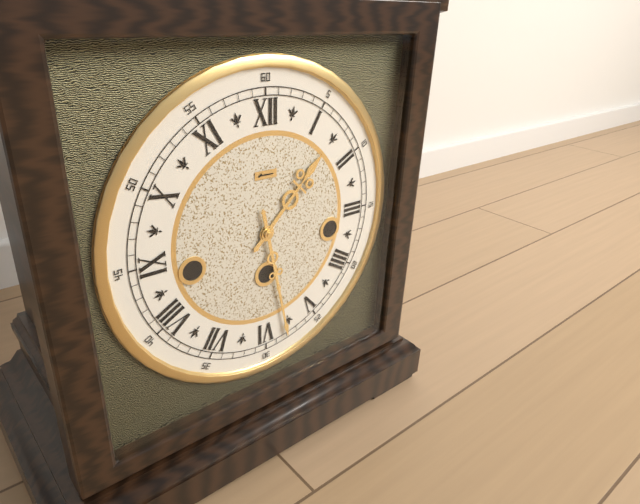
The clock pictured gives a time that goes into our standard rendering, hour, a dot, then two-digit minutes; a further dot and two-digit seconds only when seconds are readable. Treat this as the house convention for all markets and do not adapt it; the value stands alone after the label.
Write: 1.28
